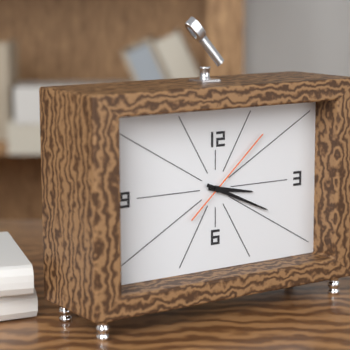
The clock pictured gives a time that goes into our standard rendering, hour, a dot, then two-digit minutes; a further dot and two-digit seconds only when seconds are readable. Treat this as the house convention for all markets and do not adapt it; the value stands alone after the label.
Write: 3.19.08
